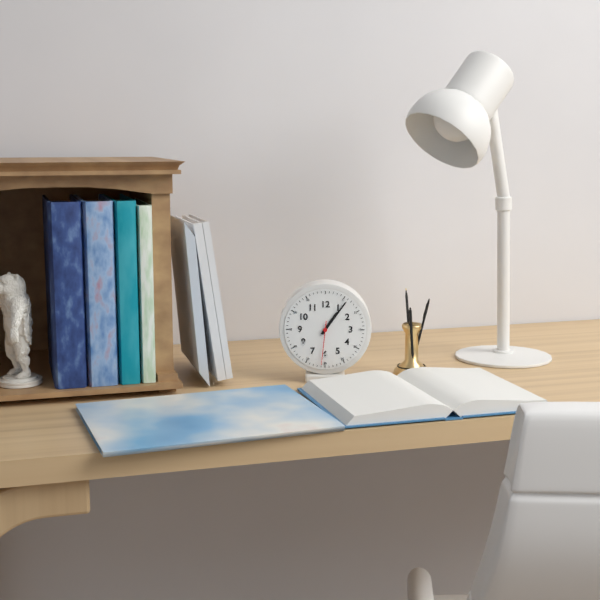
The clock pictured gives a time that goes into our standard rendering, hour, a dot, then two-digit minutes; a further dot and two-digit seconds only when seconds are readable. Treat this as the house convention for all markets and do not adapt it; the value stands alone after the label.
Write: 1.06
